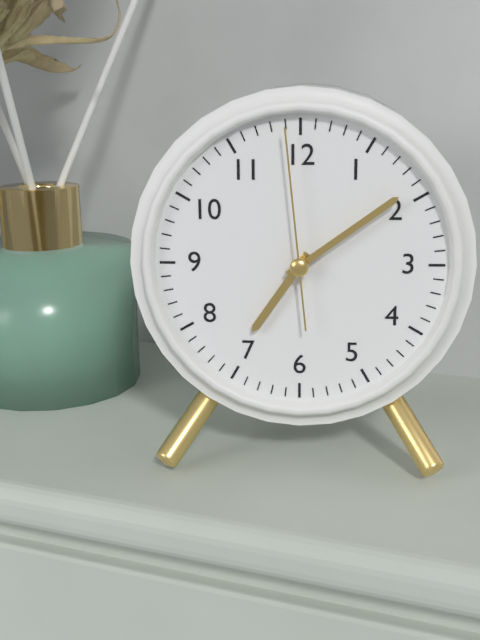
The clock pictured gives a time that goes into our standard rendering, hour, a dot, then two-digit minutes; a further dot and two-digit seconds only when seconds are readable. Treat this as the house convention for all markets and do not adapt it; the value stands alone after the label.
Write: 7.09.59
